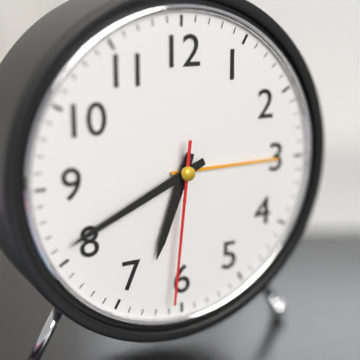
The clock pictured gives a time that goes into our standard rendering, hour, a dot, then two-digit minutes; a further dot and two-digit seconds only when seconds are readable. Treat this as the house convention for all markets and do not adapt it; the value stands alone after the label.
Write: 6.41.31
